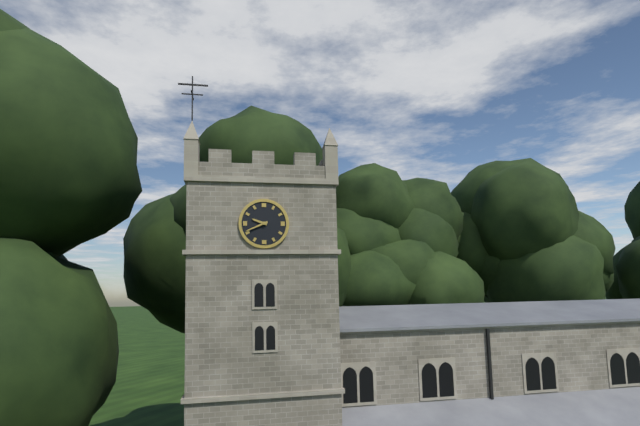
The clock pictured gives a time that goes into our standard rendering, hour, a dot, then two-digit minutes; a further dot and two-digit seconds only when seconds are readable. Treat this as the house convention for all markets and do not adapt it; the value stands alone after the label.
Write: 9.41
